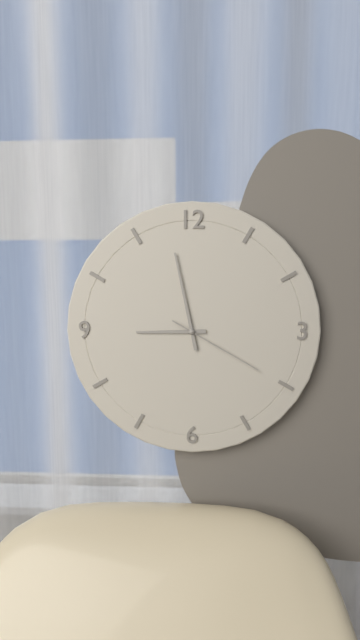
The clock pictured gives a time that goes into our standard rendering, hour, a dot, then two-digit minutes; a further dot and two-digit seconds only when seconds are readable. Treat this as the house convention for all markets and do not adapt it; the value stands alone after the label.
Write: 8.58.20
